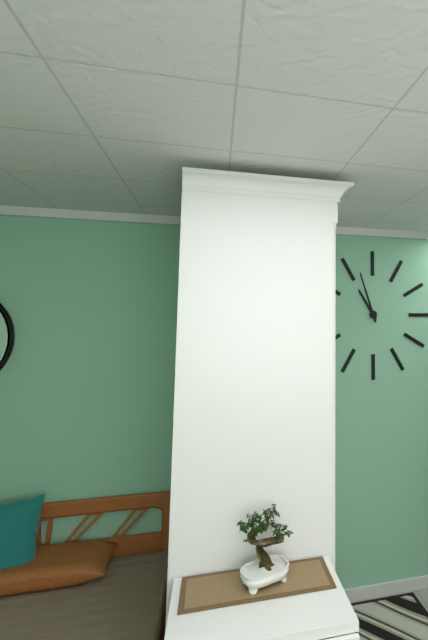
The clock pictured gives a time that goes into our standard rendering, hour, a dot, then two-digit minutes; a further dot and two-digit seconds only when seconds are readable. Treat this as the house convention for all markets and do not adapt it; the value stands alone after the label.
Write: 10.57
